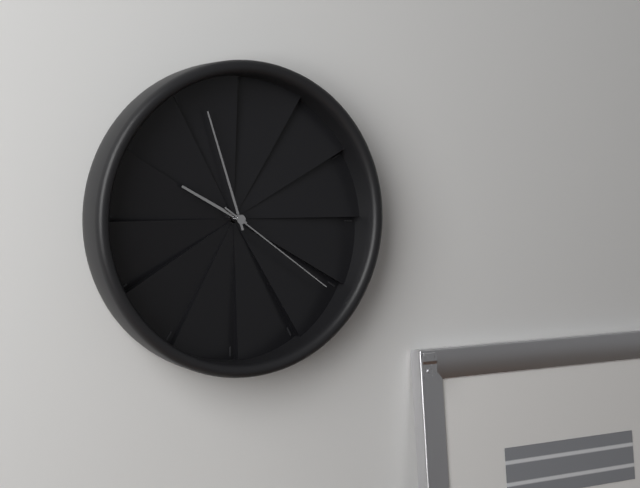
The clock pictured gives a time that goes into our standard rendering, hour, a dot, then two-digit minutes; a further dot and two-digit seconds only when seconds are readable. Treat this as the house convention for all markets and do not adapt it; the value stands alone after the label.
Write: 9.57.21
